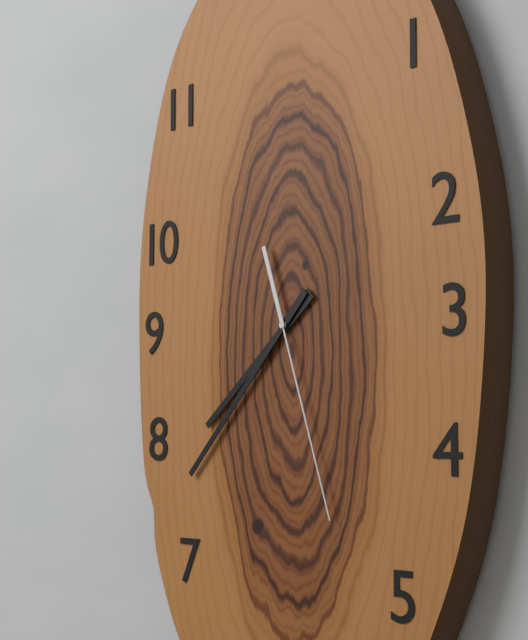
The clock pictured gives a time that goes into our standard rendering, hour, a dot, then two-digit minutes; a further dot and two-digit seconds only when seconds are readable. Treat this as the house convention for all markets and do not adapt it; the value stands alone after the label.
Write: 7.37.27
